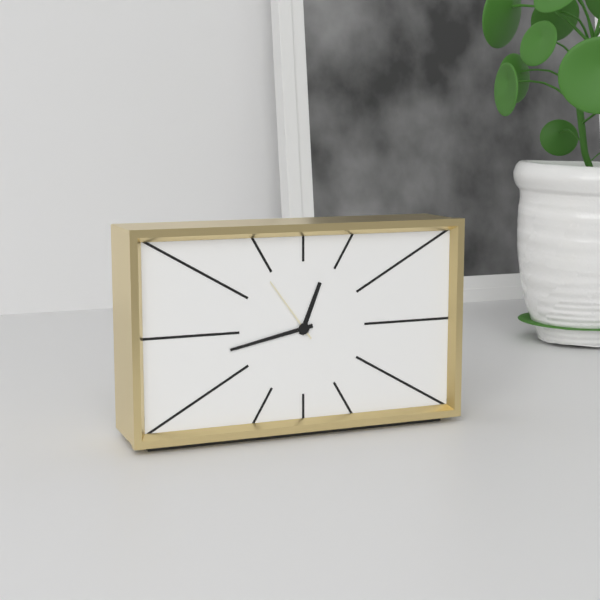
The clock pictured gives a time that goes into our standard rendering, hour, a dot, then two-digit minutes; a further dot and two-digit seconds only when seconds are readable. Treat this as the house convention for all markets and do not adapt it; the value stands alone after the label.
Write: 12.43.54
